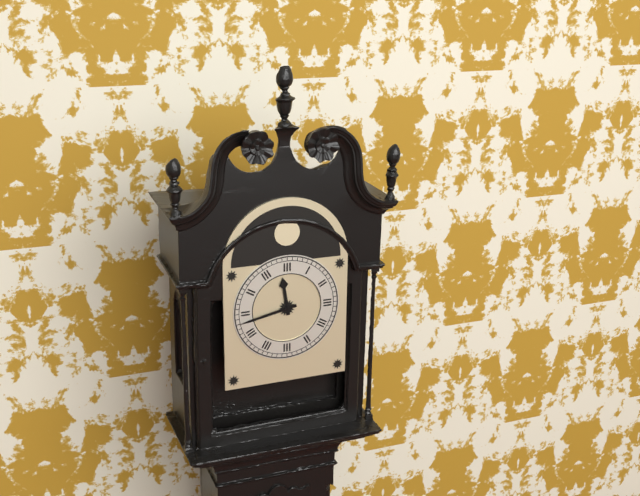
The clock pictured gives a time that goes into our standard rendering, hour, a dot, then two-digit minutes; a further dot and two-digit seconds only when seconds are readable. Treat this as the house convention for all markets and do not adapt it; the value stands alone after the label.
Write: 11.43
